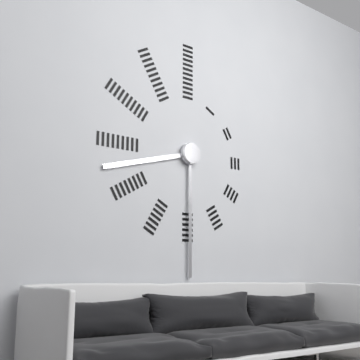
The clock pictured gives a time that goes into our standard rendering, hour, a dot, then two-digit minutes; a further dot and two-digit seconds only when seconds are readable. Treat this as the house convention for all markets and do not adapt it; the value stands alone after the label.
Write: 8.30
